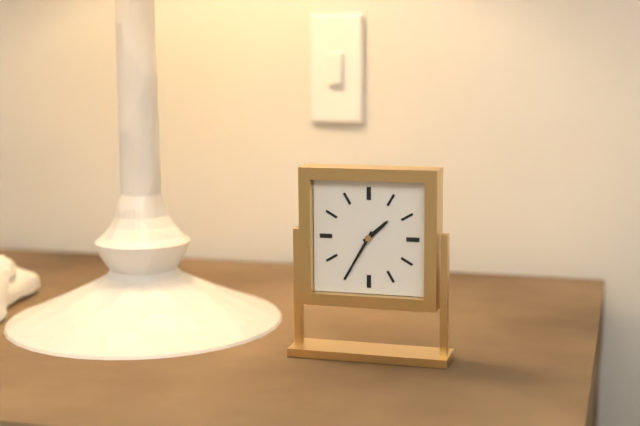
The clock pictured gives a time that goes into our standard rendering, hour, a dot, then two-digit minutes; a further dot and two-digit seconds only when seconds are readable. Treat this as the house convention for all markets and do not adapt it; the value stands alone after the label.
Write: 1.35
